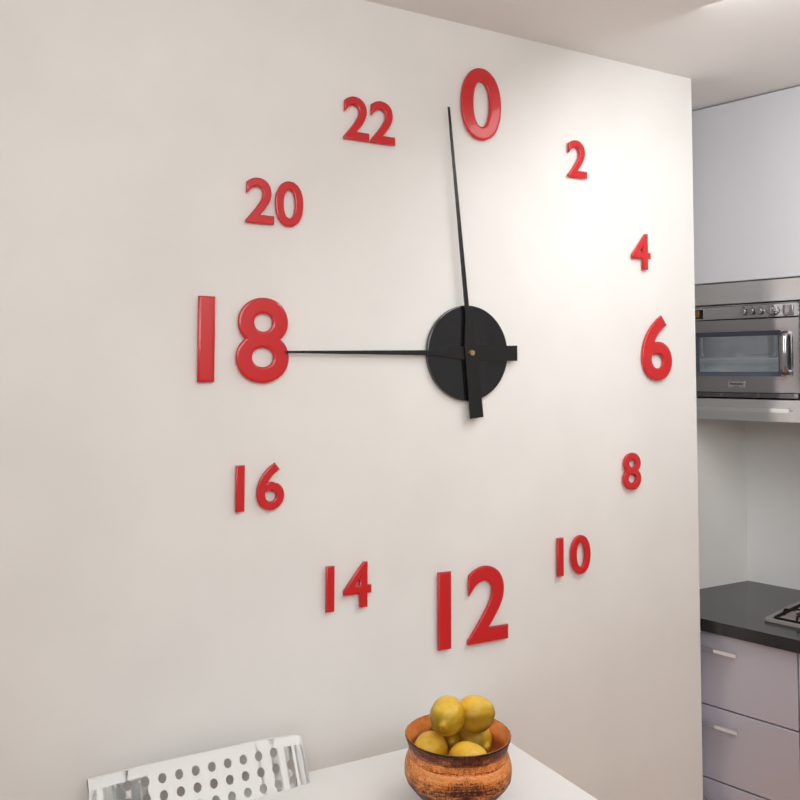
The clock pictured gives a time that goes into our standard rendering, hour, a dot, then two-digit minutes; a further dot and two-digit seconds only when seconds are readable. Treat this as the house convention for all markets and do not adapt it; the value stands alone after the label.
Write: 8.59
